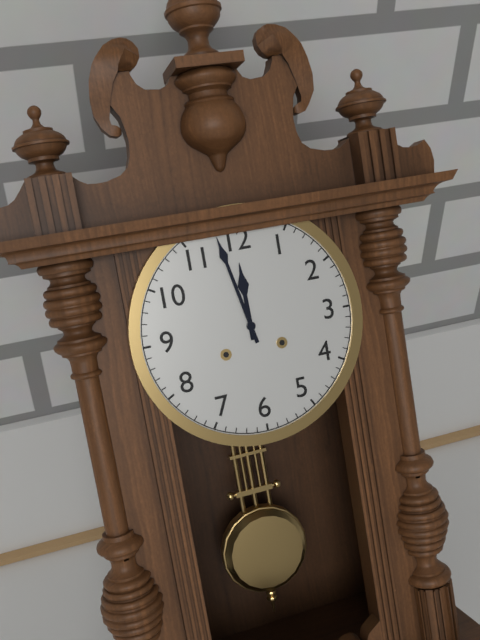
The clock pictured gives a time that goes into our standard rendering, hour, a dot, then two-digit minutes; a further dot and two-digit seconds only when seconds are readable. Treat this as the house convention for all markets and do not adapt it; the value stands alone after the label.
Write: 11.58
